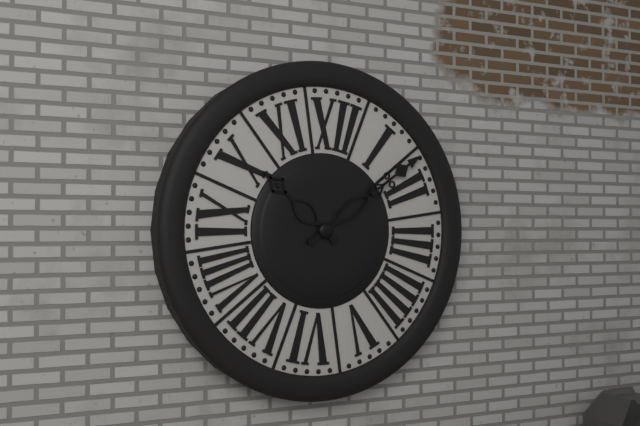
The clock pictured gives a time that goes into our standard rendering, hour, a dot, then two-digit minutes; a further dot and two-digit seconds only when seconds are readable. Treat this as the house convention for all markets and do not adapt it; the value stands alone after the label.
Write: 10.08
